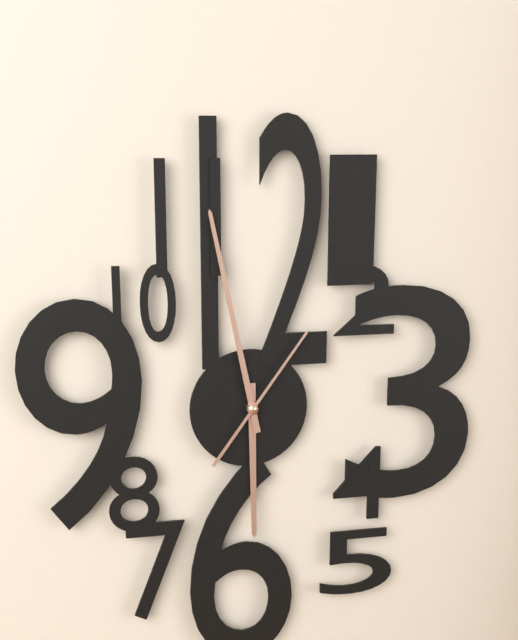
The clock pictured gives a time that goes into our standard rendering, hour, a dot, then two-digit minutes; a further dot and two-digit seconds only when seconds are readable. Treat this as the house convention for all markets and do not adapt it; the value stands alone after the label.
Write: 5.58.06
